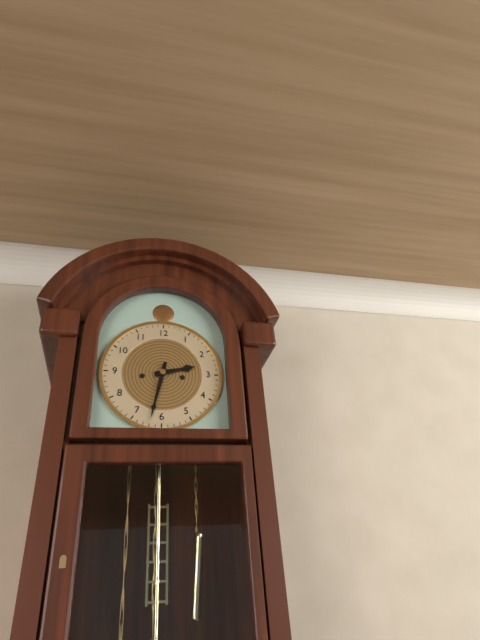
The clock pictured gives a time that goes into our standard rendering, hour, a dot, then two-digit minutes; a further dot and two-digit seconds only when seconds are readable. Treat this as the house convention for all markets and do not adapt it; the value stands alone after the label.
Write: 2.32
